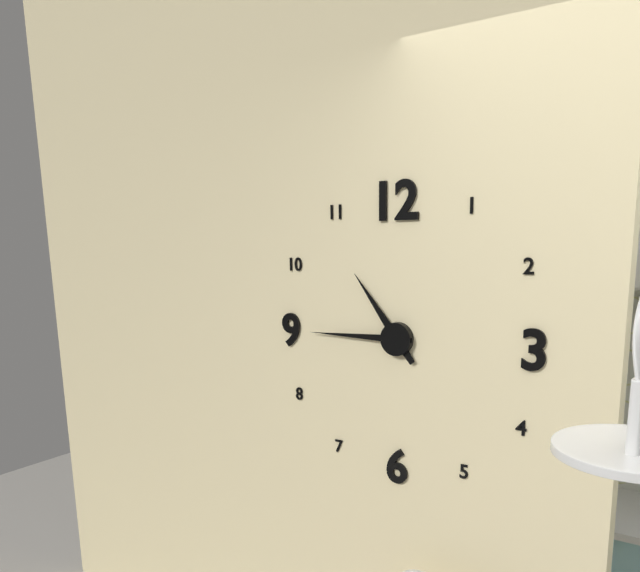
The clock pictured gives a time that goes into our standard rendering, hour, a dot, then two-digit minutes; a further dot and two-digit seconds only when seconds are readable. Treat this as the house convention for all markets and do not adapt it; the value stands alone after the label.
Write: 10.45
